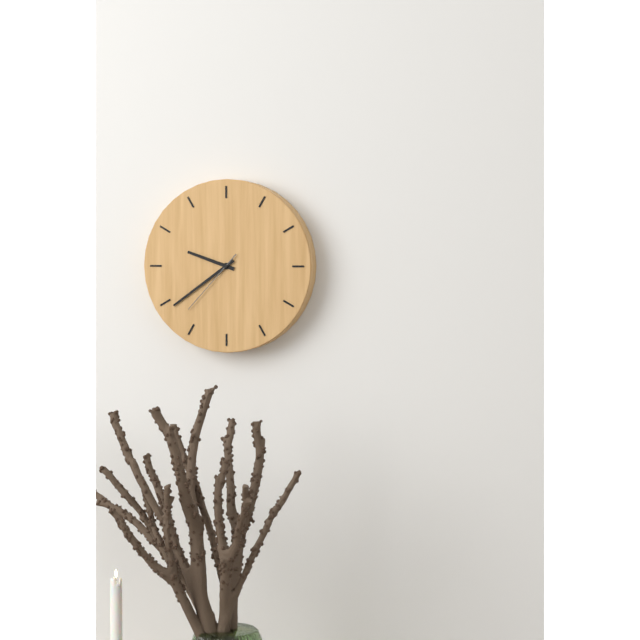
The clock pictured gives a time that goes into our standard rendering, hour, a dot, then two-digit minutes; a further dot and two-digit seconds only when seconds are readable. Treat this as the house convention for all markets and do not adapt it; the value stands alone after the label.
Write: 9.39.37
